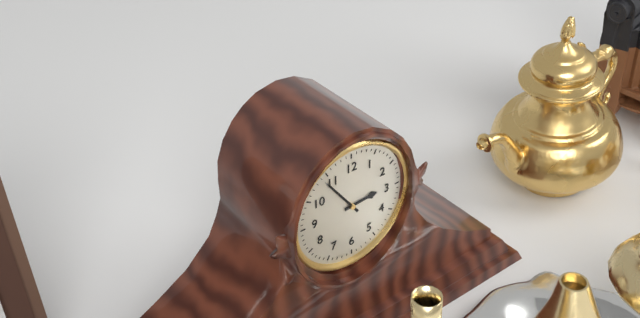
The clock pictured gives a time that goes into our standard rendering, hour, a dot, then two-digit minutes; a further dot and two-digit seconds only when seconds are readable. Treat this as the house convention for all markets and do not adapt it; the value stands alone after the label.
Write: 2.54
